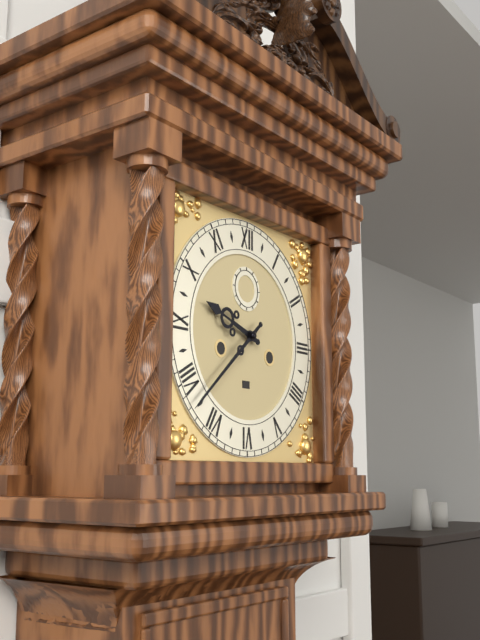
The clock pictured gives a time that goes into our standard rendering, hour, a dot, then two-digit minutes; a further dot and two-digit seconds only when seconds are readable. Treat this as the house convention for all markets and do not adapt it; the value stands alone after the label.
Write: 9.38
